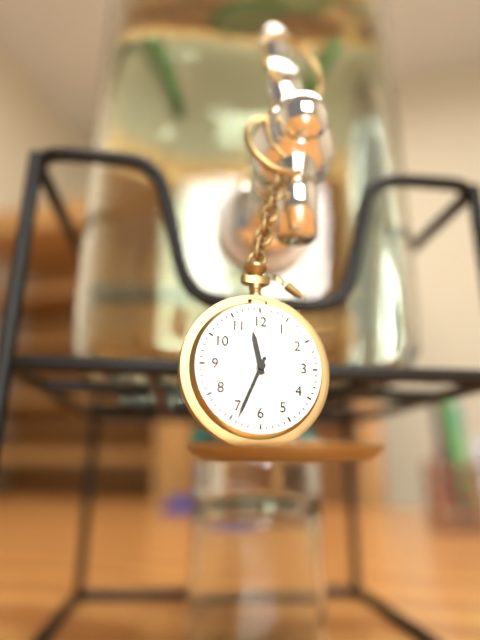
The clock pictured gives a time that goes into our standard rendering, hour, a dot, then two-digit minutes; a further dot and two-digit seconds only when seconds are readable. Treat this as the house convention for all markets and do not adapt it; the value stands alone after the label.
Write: 11.34
